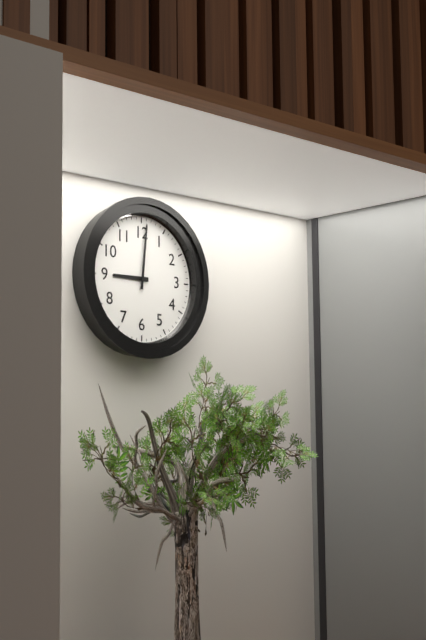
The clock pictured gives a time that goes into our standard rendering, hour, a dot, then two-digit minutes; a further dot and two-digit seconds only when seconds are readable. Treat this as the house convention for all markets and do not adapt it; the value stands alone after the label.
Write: 9.01
